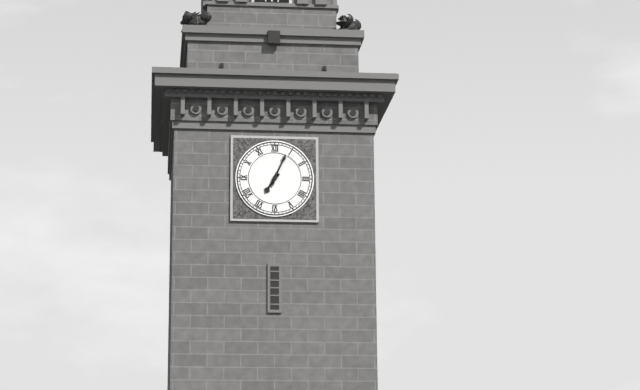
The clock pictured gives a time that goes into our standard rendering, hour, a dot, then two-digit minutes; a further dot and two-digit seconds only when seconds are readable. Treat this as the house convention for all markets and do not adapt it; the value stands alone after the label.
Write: 7.04
